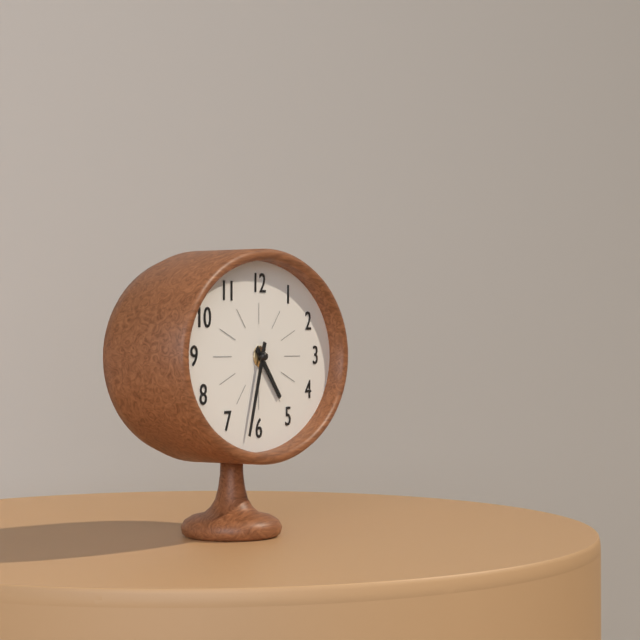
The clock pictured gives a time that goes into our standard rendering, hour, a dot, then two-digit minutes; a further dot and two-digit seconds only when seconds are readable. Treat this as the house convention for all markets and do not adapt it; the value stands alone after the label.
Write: 4.33
